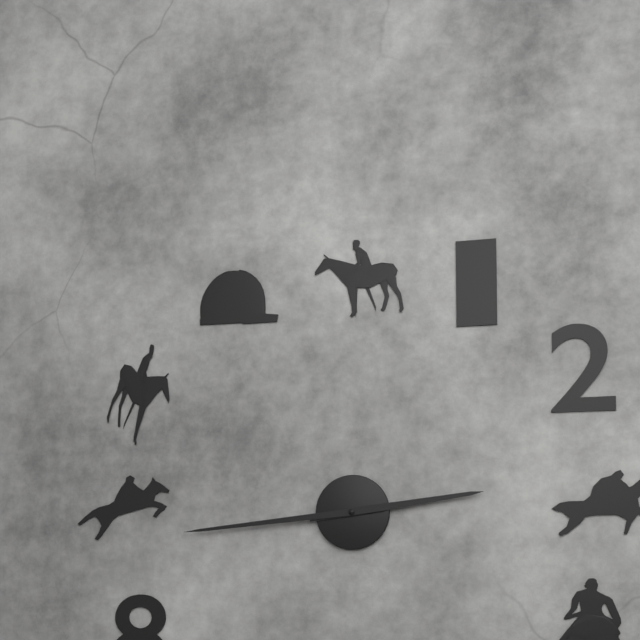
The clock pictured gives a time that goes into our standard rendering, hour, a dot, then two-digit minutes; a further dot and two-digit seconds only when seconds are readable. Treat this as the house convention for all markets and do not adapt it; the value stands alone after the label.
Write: 2.44
